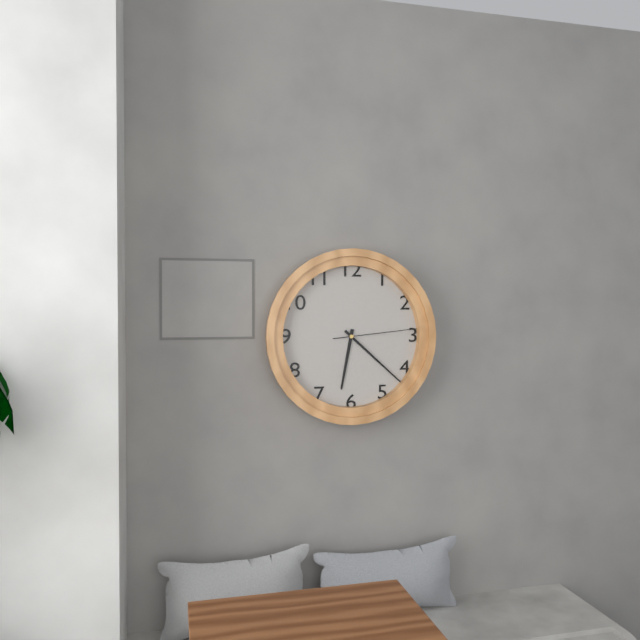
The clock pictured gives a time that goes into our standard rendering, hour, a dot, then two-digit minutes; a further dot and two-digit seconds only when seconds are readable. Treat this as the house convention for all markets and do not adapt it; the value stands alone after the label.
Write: 6.22.14
